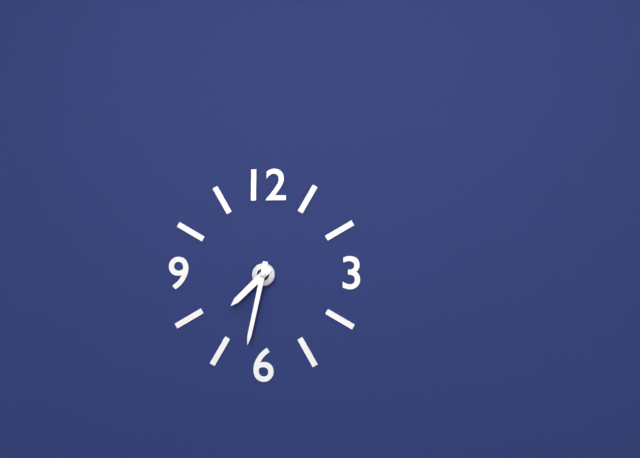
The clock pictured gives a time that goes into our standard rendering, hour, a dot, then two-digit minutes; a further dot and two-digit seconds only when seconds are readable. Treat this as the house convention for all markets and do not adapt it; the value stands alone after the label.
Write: 7.32
